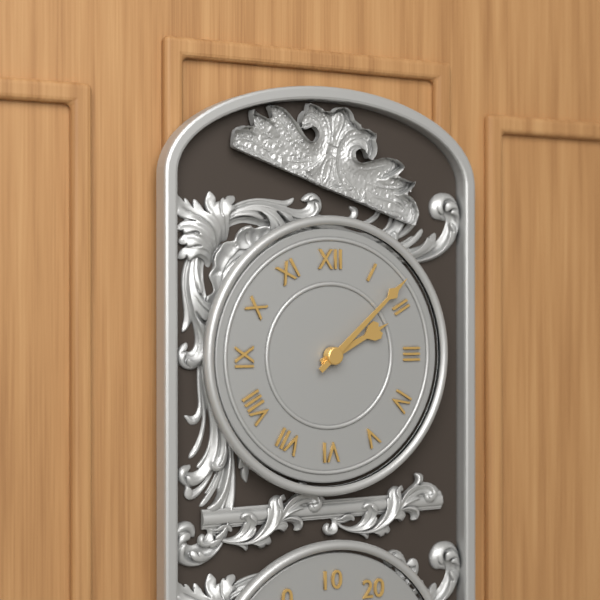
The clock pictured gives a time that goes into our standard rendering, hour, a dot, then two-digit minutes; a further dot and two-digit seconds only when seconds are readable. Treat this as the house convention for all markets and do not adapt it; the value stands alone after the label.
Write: 2.08
